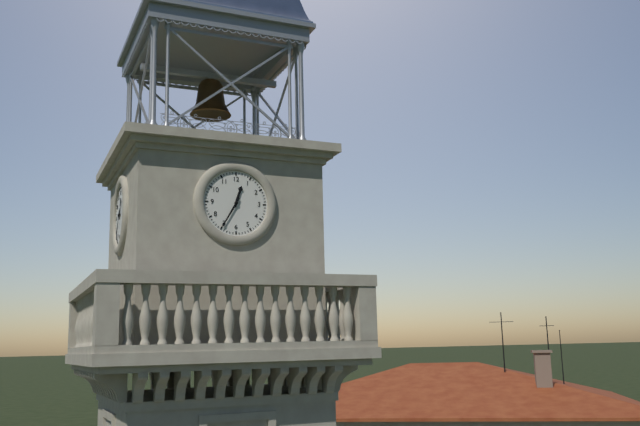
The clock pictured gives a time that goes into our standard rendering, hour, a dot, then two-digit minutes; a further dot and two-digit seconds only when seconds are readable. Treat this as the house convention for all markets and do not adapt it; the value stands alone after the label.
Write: 12.35
